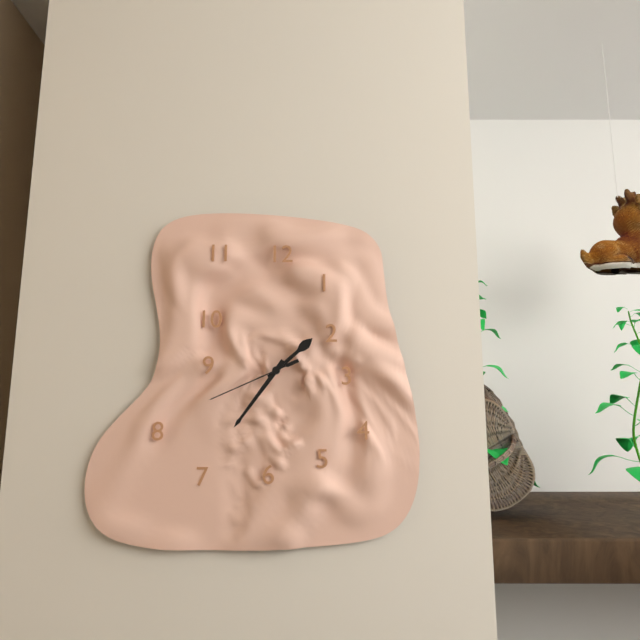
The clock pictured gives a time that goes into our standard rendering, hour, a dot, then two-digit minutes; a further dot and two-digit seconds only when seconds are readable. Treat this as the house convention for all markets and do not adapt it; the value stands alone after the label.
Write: 1.36.41
